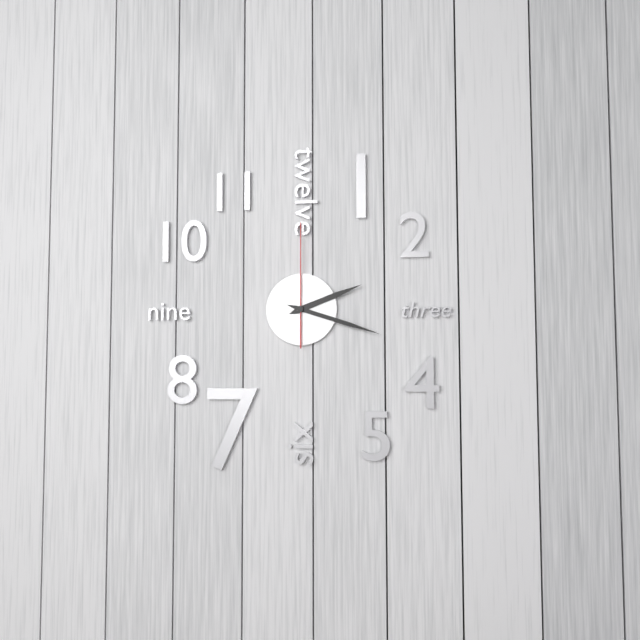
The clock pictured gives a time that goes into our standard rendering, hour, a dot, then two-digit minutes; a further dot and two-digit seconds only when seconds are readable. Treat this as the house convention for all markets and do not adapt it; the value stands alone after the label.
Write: 2.18.00
